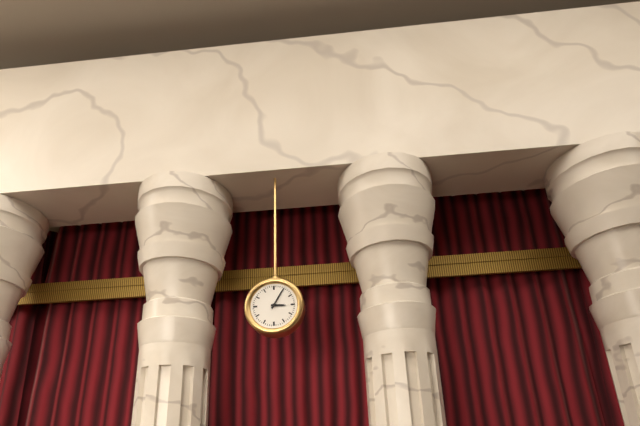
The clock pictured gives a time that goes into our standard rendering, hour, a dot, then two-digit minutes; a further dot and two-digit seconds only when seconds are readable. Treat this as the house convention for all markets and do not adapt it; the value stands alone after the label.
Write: 3.05
